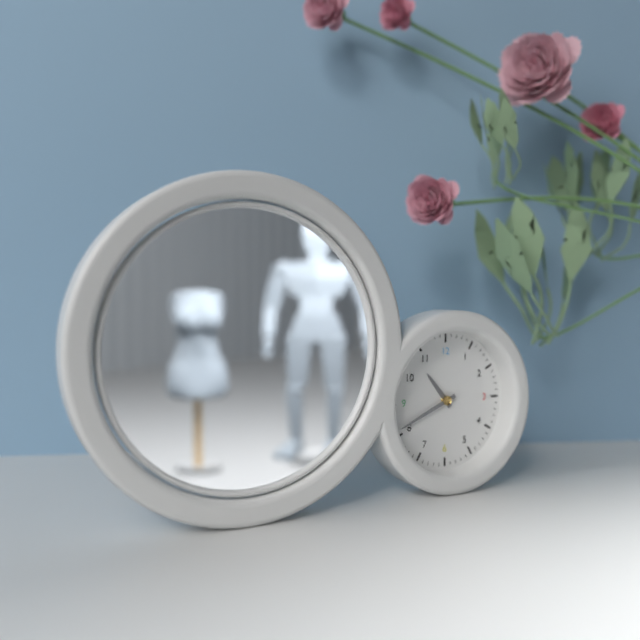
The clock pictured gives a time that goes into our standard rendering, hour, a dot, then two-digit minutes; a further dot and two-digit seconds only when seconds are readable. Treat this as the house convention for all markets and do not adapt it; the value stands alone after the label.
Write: 10.41
